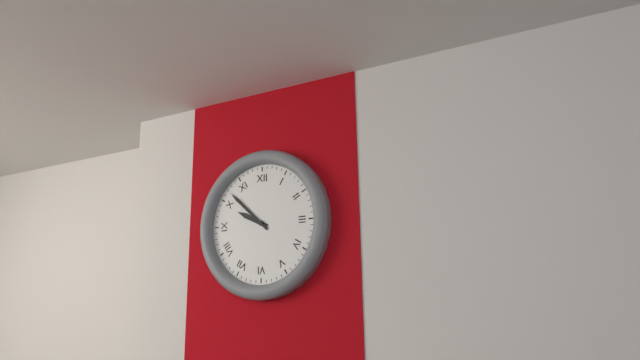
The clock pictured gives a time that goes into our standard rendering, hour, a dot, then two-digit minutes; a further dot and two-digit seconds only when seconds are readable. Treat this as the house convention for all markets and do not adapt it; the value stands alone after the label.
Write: 9.52
